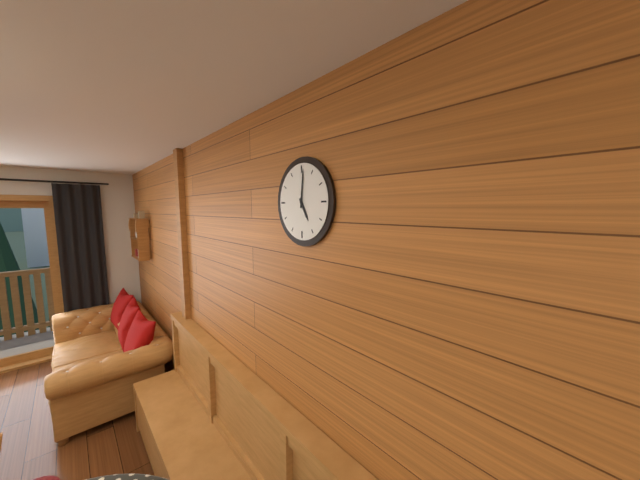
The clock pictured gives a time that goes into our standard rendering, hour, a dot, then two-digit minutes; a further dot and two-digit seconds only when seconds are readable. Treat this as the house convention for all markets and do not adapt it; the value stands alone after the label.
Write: 5.01
